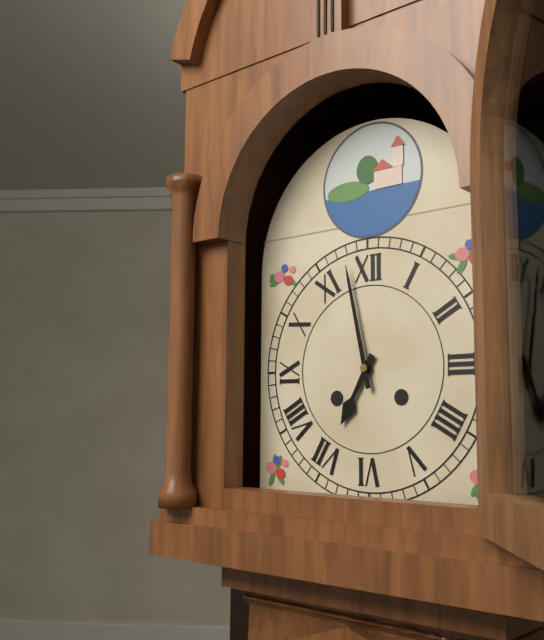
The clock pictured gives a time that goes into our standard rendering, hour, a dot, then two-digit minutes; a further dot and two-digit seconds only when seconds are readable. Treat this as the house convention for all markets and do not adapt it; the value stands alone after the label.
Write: 6.58
